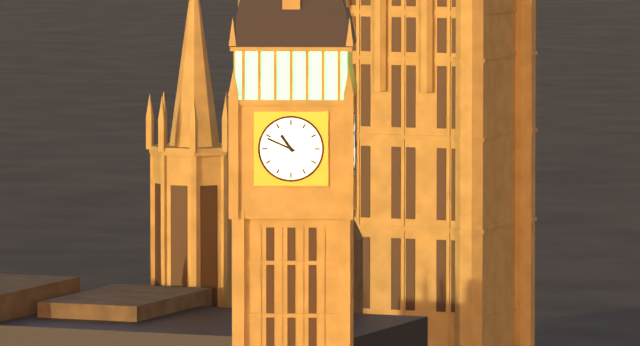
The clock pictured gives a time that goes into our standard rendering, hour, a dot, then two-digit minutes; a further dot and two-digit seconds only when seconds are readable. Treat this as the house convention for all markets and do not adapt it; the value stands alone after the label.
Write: 10.49
